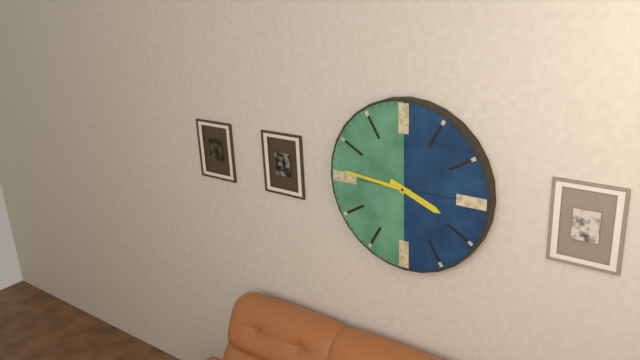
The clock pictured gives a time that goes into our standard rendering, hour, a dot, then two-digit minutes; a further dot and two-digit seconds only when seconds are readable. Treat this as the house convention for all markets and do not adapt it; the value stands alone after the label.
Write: 3.46
